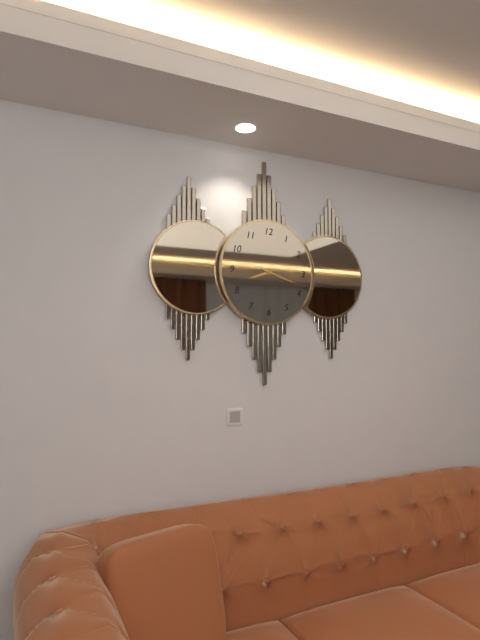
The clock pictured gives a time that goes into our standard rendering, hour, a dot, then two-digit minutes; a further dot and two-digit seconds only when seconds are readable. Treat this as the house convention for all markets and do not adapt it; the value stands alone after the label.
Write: 8.18
